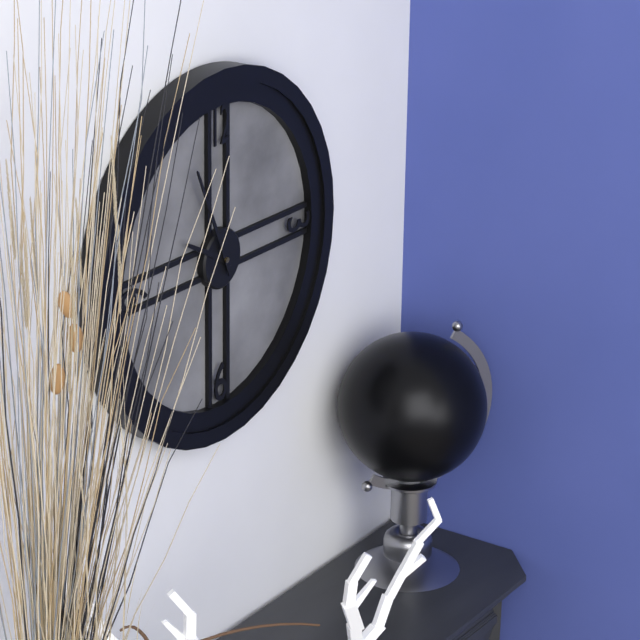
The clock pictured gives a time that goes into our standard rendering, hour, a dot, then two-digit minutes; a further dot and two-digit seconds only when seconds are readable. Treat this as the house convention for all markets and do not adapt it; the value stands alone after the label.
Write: 9.56
